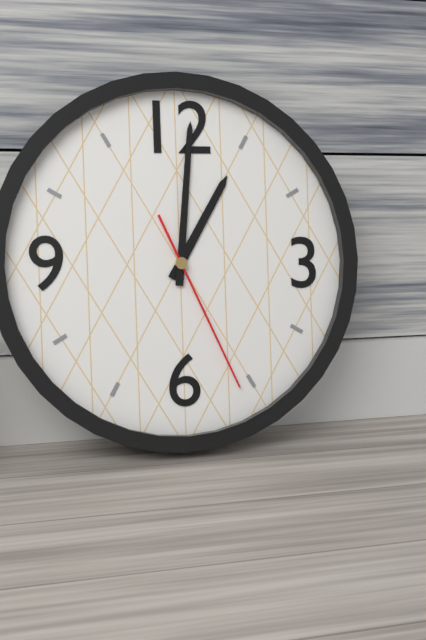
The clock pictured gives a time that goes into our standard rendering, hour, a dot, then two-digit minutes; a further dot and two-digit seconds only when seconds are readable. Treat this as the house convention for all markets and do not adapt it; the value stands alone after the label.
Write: 1.01.26
